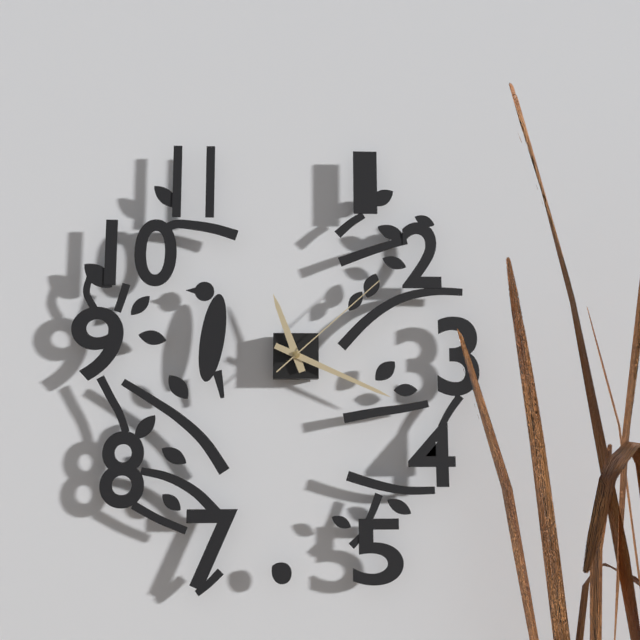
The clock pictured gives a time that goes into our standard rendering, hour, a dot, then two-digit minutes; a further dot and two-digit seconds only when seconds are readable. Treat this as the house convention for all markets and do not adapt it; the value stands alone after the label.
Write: 11.19.08
